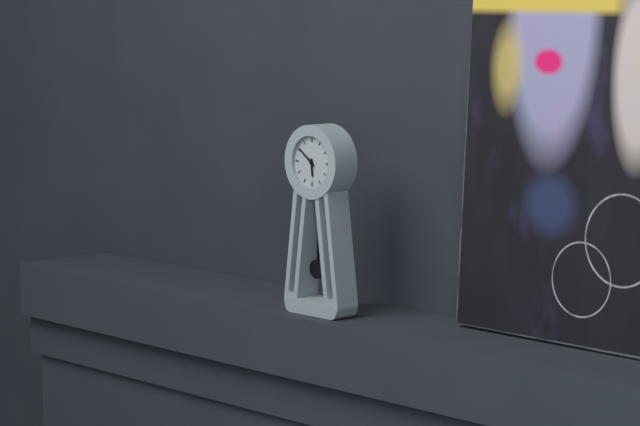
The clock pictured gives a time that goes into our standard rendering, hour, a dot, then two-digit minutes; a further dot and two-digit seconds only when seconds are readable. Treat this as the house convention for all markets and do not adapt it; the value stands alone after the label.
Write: 5.51
